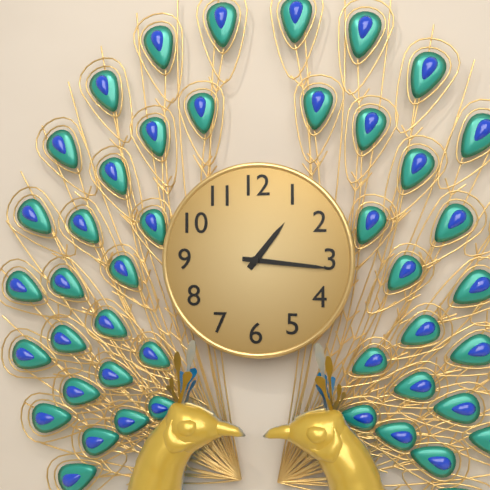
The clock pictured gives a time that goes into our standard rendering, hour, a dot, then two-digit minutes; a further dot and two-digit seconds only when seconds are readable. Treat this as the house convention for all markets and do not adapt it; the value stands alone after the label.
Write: 1.16
